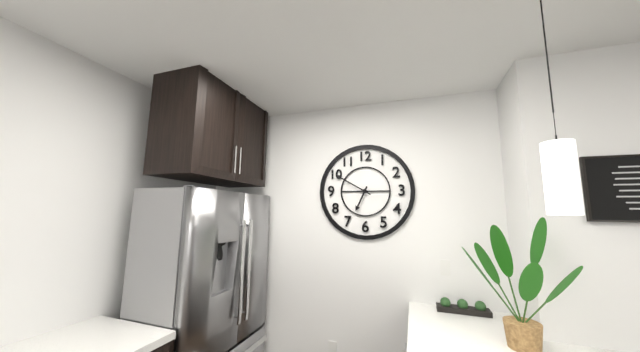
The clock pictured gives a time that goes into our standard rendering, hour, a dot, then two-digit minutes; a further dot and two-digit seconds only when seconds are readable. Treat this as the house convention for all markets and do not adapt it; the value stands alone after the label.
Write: 6.50
